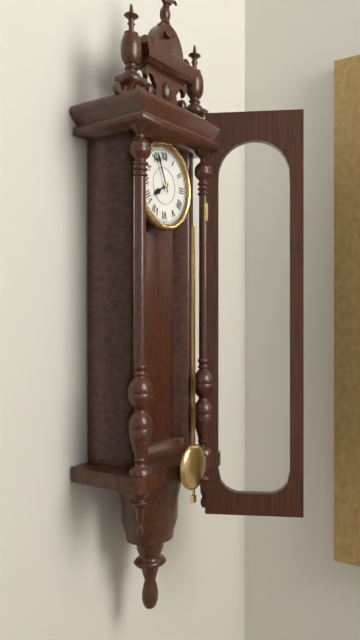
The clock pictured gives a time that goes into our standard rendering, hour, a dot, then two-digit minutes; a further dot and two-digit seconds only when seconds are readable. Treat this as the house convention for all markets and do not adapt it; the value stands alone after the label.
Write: 7.56
